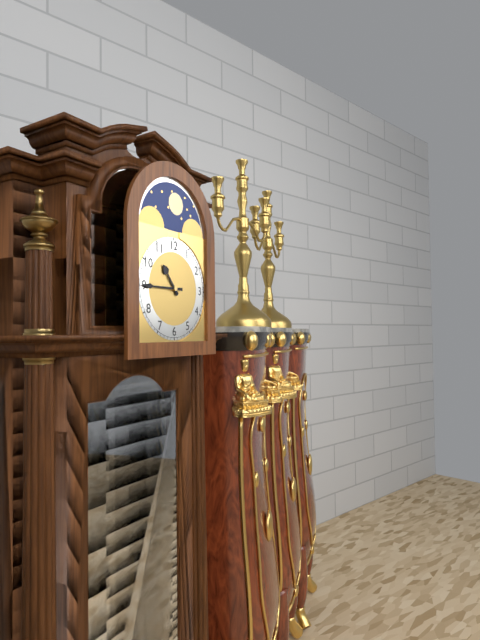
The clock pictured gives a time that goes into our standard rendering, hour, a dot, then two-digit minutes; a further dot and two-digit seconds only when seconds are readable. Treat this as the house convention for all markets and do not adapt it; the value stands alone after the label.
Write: 10.45
